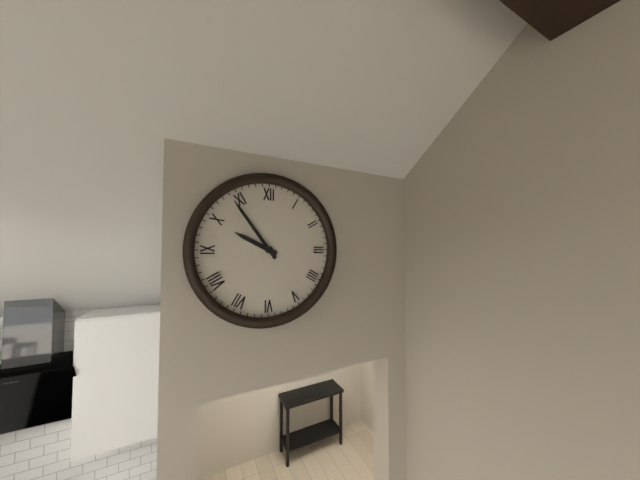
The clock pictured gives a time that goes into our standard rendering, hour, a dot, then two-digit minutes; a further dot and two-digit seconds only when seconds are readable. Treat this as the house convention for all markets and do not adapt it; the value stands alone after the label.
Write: 9.54
